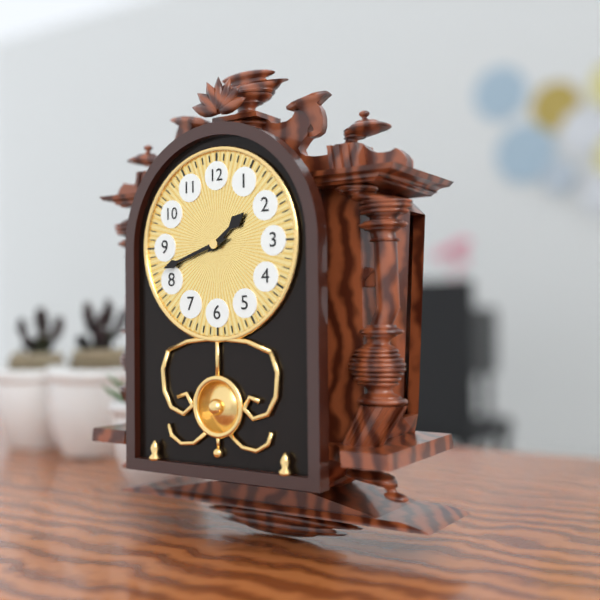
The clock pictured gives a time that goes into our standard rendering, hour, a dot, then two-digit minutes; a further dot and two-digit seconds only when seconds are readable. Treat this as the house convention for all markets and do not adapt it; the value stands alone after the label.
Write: 1.42
